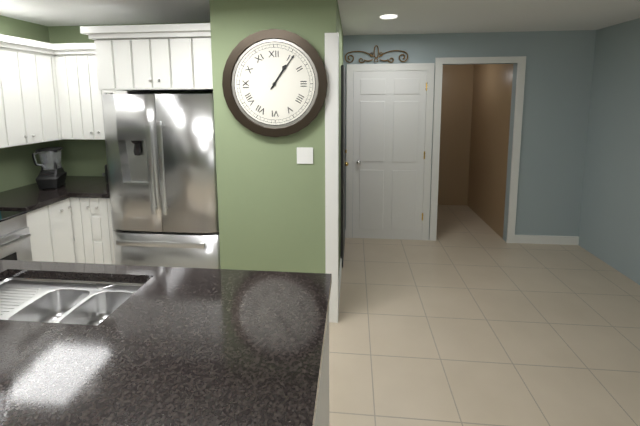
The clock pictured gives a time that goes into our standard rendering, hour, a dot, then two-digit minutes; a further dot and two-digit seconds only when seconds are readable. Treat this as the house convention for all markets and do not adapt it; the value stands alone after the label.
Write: 1.06
